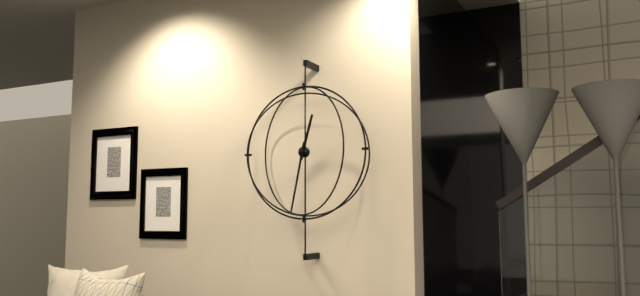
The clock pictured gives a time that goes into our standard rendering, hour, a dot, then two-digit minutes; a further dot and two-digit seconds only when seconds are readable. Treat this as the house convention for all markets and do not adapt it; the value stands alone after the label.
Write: 12.32
